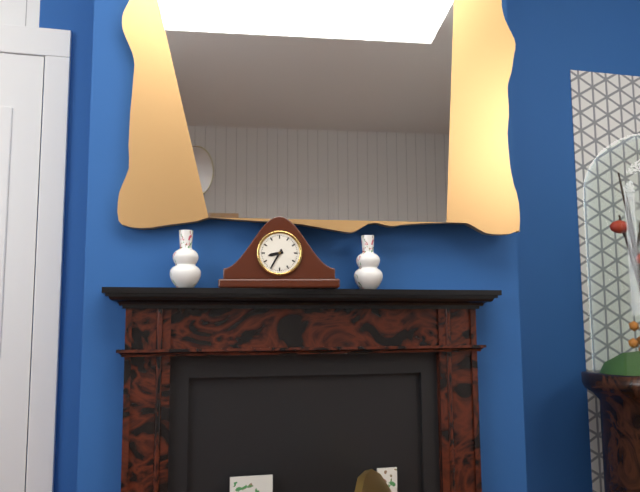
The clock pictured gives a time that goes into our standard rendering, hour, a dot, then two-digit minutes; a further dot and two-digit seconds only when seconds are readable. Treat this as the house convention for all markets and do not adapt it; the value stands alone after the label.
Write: 8.35
